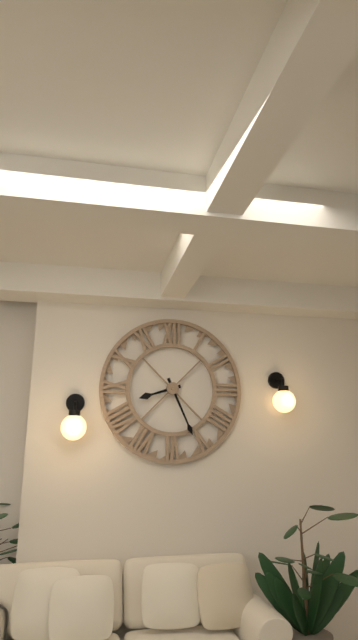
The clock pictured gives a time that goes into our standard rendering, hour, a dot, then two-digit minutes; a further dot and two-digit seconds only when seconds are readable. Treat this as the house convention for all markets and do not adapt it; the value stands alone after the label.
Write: 8.26
